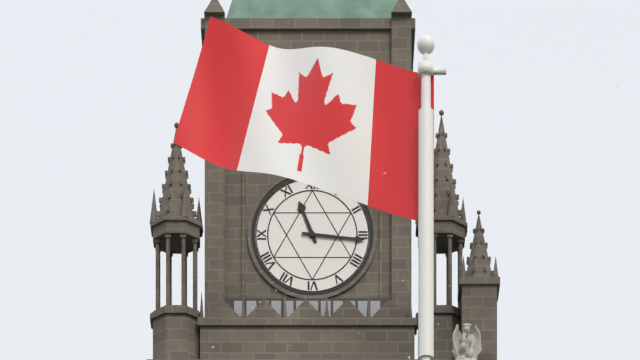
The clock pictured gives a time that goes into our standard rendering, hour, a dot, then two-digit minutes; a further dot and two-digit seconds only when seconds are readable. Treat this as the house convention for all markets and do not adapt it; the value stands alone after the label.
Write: 11.16
